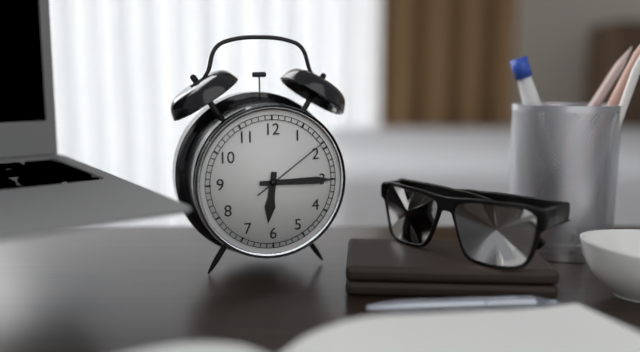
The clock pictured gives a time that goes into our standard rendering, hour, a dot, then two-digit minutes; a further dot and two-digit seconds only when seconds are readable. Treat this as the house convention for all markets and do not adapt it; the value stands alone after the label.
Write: 6.15.09
